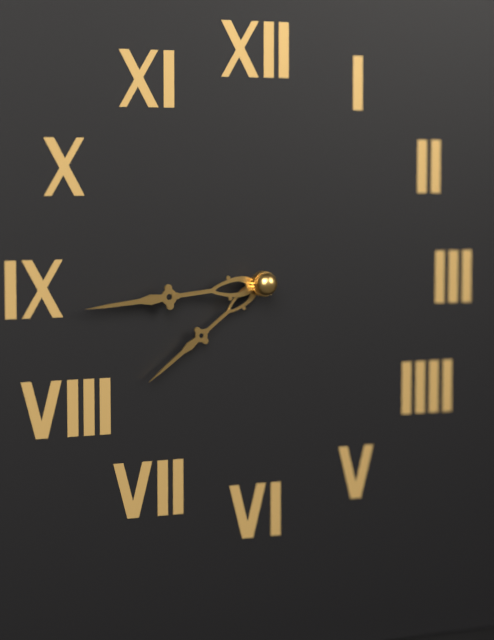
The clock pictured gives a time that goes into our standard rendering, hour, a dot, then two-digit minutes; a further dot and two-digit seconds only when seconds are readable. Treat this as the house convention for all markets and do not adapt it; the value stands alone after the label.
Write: 7.44
